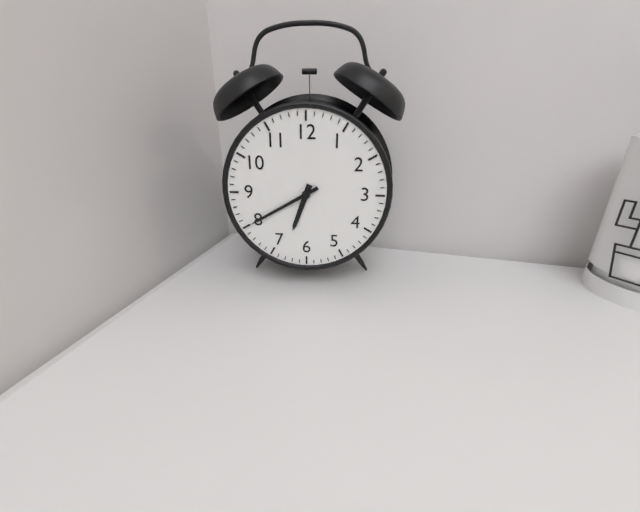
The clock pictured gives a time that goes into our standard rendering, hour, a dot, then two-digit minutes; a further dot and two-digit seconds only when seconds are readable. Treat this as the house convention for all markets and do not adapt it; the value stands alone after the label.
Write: 6.40
